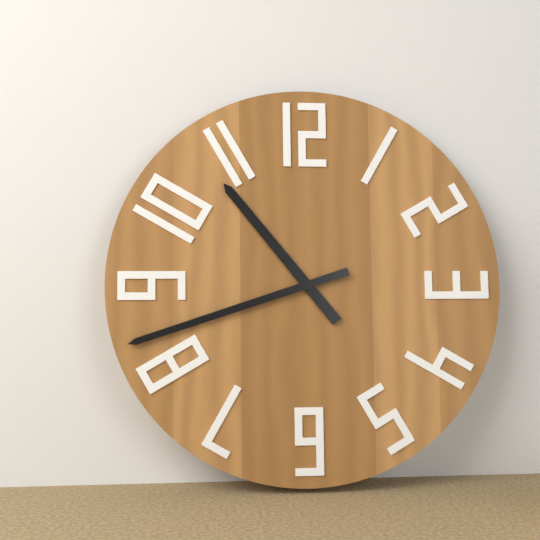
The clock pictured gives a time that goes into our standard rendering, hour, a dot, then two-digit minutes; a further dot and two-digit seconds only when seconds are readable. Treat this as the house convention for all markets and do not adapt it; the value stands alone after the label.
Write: 10.42
